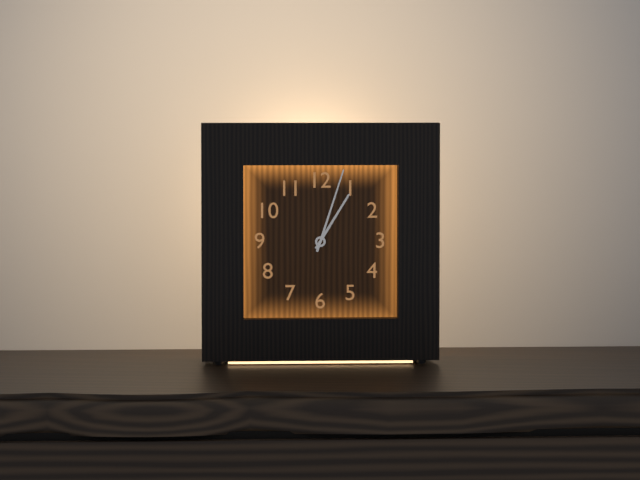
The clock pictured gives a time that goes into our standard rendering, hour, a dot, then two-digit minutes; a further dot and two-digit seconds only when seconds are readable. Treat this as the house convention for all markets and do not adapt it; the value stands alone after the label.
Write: 1.03
